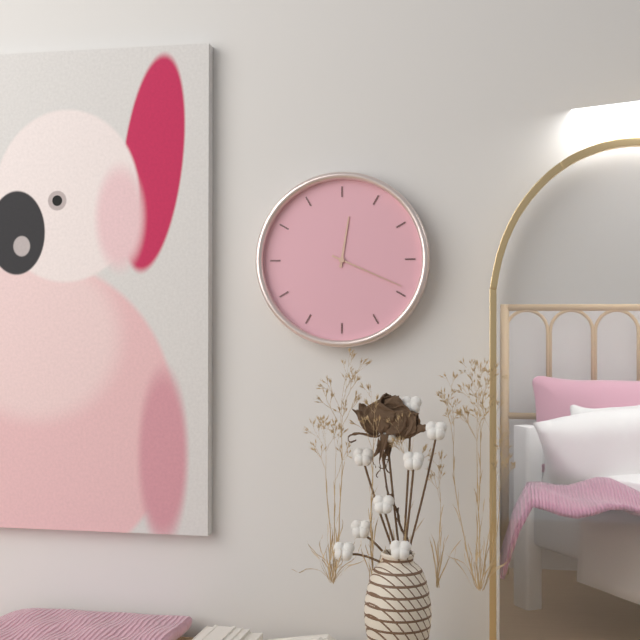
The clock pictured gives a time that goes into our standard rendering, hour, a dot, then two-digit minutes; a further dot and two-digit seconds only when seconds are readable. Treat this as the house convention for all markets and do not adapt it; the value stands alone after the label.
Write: 12.19
